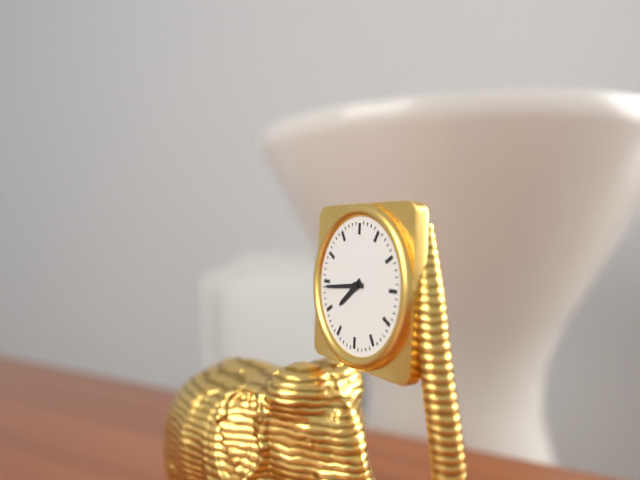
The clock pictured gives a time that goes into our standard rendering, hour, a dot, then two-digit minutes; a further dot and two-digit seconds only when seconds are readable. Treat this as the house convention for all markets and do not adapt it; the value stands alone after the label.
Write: 7.44
